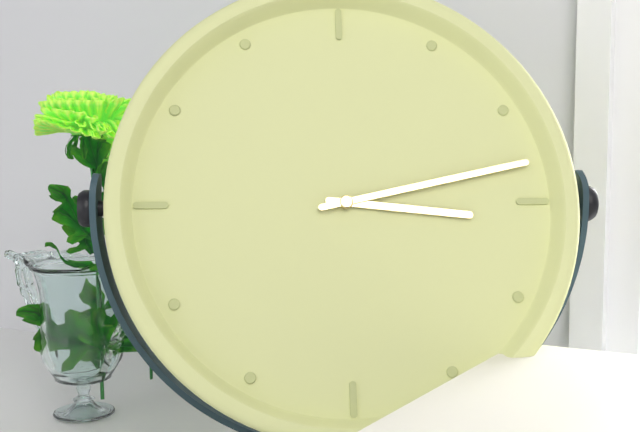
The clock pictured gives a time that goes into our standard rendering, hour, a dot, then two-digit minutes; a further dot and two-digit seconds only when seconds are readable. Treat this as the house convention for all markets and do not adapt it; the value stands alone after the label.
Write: 3.13
